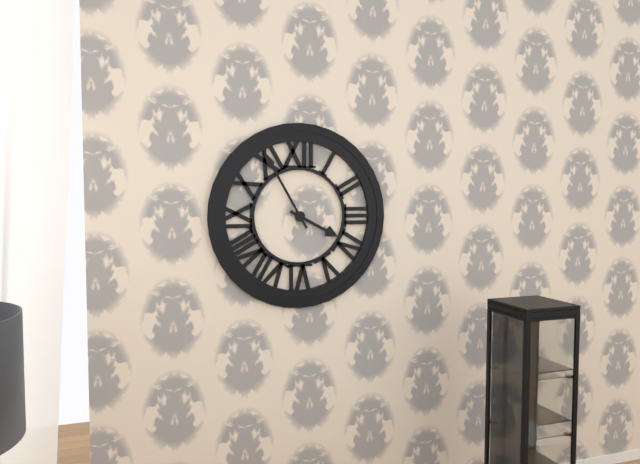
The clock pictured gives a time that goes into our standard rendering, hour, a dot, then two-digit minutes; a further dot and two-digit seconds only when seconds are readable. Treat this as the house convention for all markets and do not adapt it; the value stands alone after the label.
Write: 3.55
